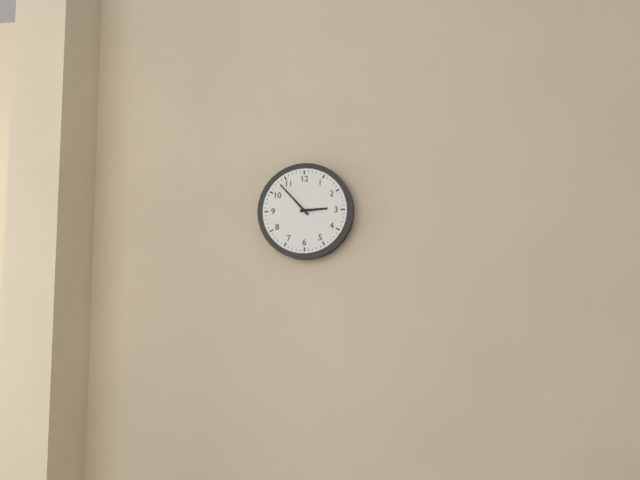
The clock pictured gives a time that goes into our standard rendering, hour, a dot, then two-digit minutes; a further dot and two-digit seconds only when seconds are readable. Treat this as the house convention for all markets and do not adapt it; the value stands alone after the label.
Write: 2.53
